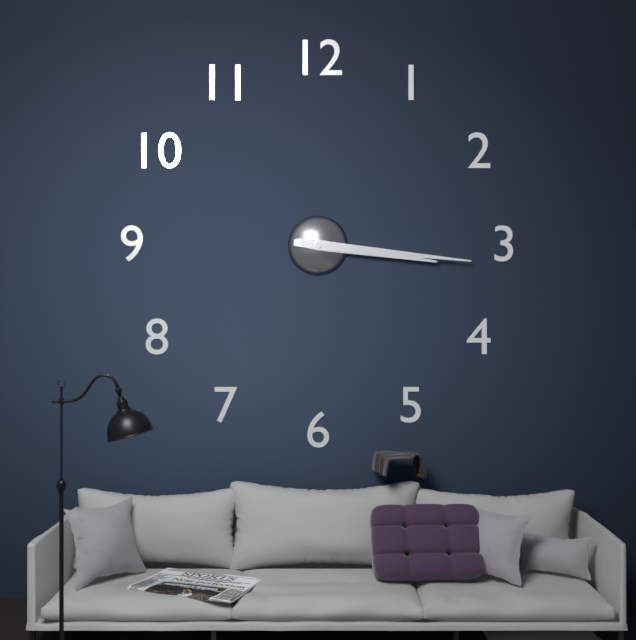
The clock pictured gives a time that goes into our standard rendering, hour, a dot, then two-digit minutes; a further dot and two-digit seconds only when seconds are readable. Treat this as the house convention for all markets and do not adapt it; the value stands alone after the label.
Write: 3.16
